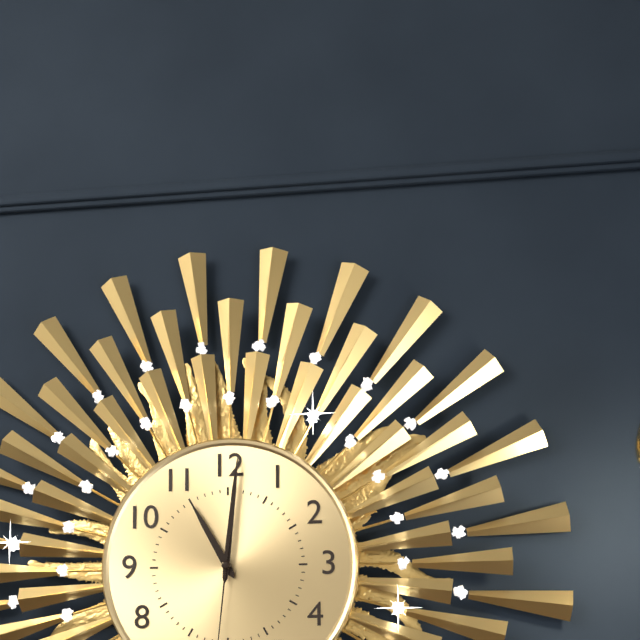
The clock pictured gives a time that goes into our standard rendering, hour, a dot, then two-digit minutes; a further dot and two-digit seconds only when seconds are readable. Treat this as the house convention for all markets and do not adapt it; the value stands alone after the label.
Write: 11.01
